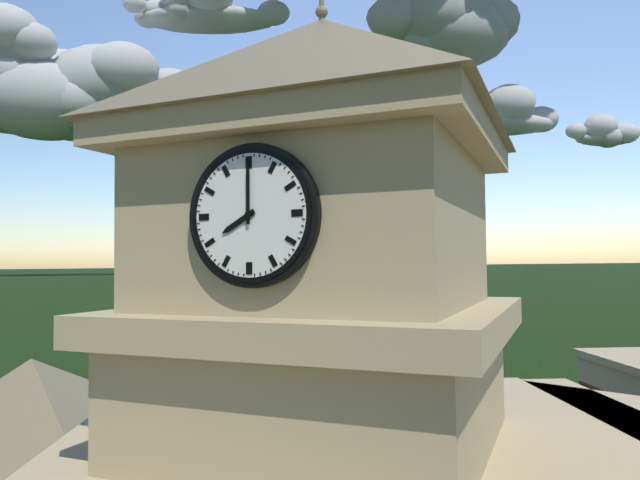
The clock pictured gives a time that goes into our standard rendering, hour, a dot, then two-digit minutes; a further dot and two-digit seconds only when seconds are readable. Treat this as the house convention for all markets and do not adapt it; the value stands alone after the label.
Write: 8.00
